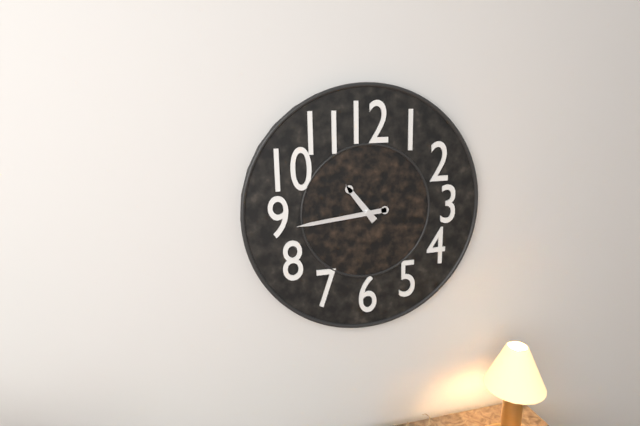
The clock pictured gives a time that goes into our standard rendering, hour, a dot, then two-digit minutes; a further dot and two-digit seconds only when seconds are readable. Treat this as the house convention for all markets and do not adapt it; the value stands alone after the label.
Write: 10.44
